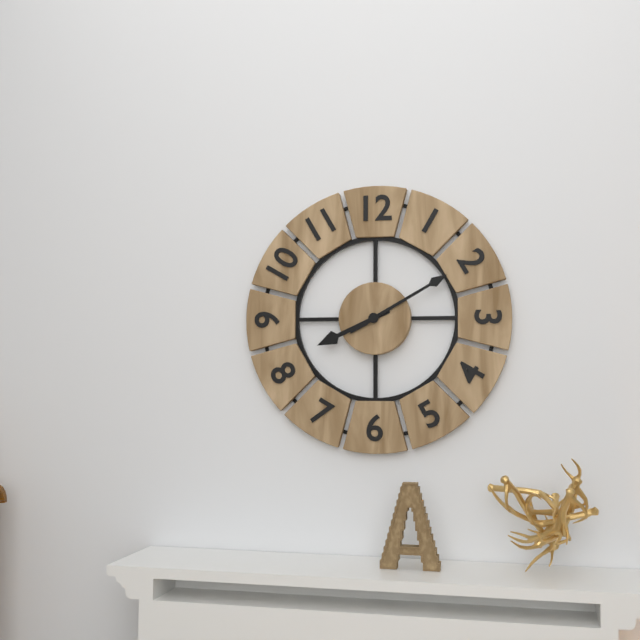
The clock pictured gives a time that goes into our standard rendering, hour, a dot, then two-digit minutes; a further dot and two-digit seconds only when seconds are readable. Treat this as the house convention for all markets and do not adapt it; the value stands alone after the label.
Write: 8.10
